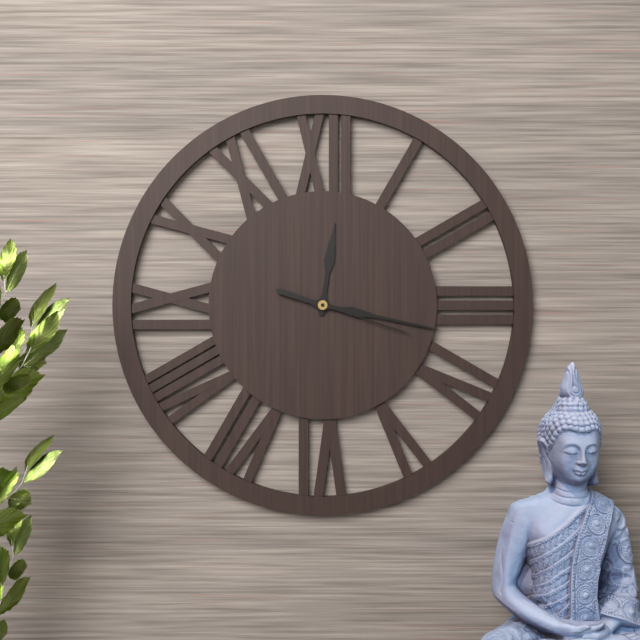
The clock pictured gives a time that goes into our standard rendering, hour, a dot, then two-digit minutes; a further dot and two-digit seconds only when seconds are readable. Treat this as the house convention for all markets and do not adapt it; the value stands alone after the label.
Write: 12.17.18
